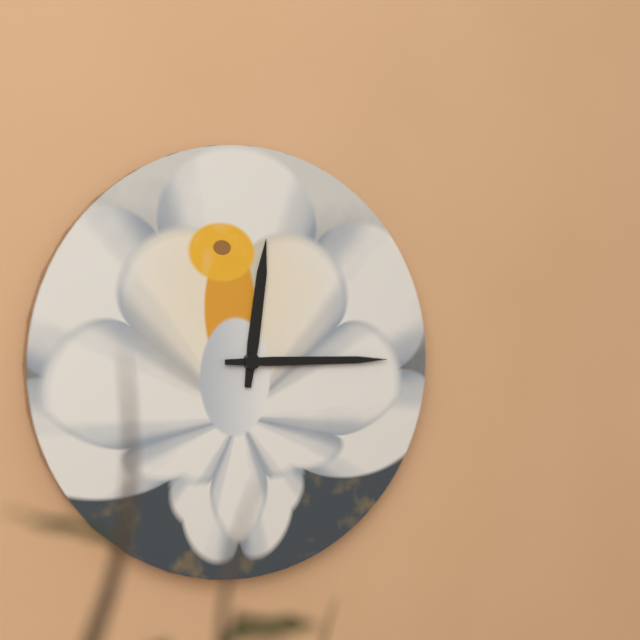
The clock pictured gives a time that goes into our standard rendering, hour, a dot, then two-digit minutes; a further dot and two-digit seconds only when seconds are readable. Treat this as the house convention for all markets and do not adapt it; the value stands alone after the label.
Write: 12.15
